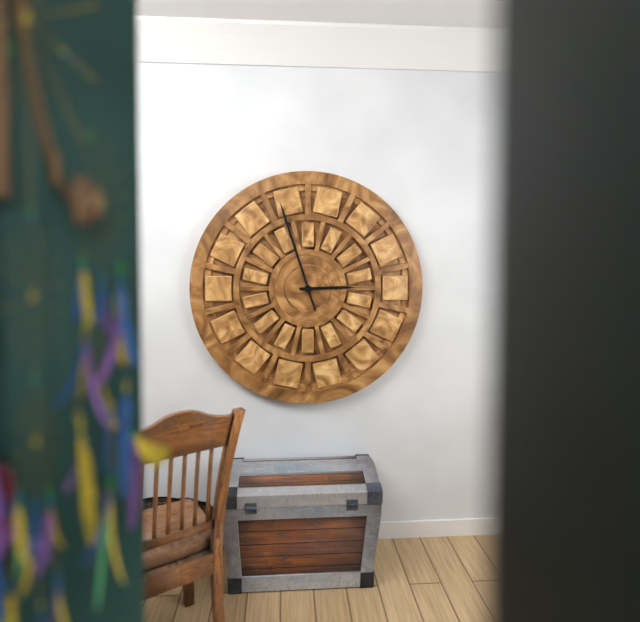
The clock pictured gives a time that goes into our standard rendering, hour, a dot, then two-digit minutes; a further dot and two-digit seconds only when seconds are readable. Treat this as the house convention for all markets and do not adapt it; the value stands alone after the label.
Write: 2.57
